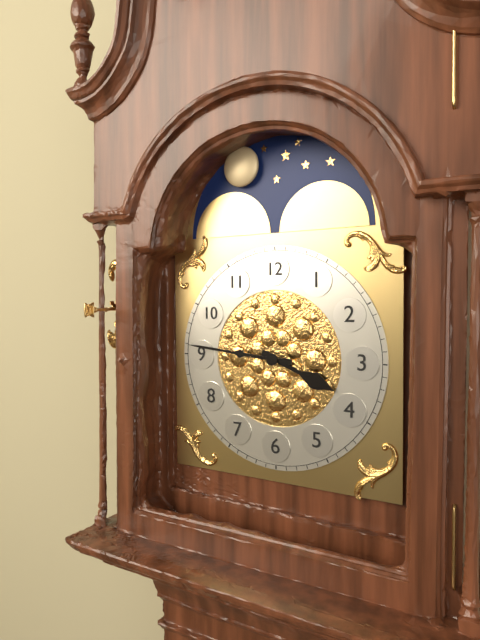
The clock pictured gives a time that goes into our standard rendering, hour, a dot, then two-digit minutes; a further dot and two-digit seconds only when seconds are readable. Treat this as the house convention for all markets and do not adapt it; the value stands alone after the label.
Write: 3.46
